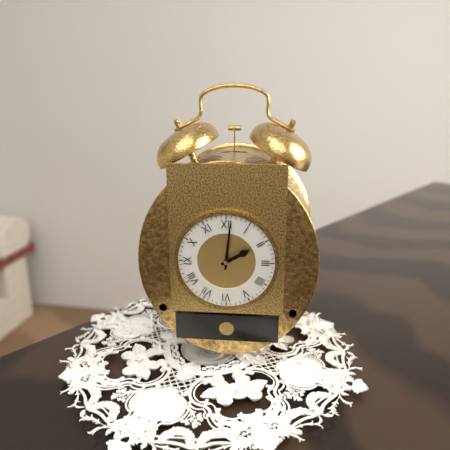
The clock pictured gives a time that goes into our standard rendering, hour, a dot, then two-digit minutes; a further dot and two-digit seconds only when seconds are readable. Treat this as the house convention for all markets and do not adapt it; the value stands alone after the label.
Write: 2.01
